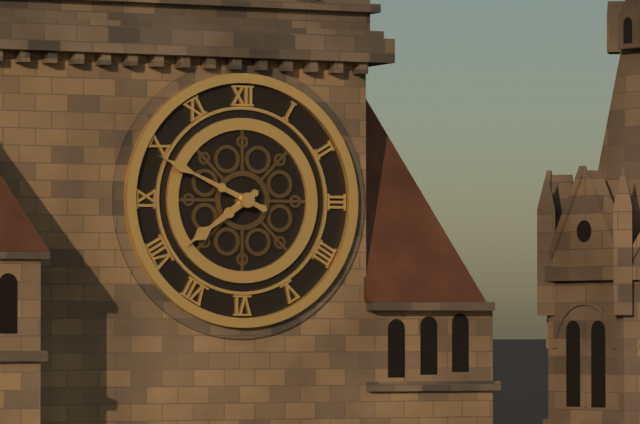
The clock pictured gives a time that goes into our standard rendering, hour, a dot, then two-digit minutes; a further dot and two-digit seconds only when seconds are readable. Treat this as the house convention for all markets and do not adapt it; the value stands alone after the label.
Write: 7.49
